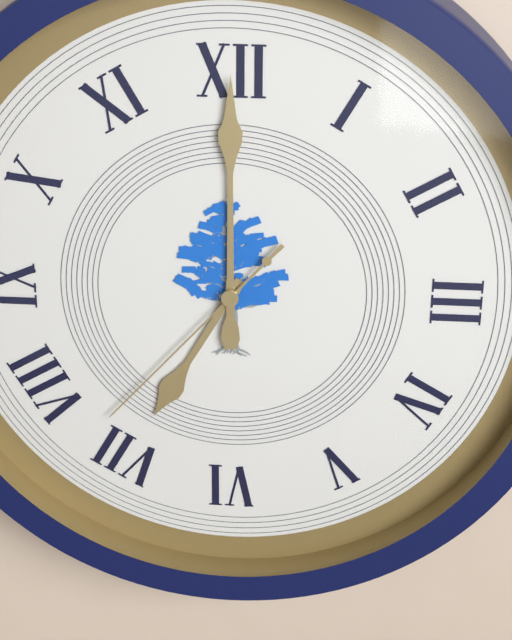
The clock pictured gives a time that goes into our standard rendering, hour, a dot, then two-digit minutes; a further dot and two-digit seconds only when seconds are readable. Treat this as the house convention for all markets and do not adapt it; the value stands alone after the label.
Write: 7.00.37
